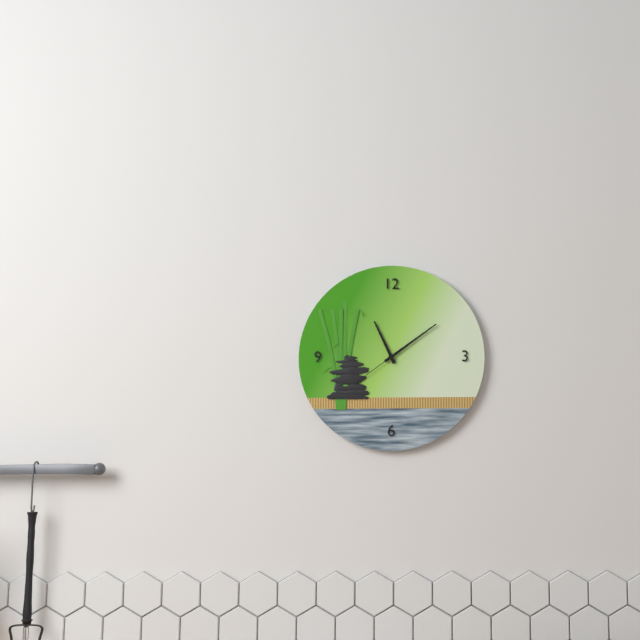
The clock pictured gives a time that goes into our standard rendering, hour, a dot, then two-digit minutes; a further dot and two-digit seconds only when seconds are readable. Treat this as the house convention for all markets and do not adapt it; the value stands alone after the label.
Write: 11.09.39
